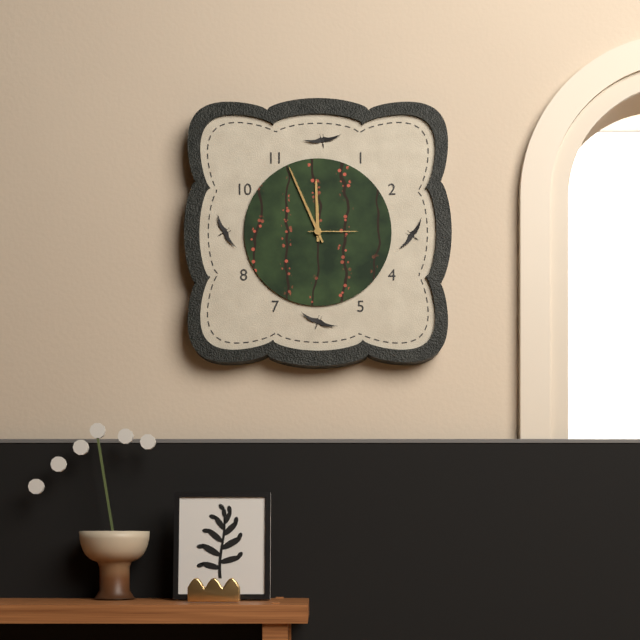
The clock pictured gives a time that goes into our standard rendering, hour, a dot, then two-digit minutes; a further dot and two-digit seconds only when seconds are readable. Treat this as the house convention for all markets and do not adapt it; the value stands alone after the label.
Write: 11.56.15
